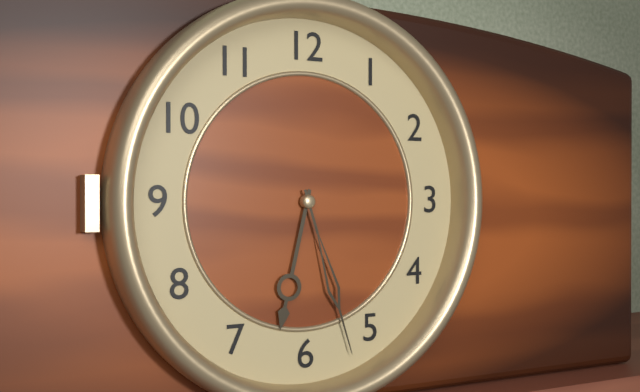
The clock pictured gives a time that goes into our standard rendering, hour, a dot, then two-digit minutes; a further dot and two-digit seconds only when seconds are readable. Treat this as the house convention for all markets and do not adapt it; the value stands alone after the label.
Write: 6.27
